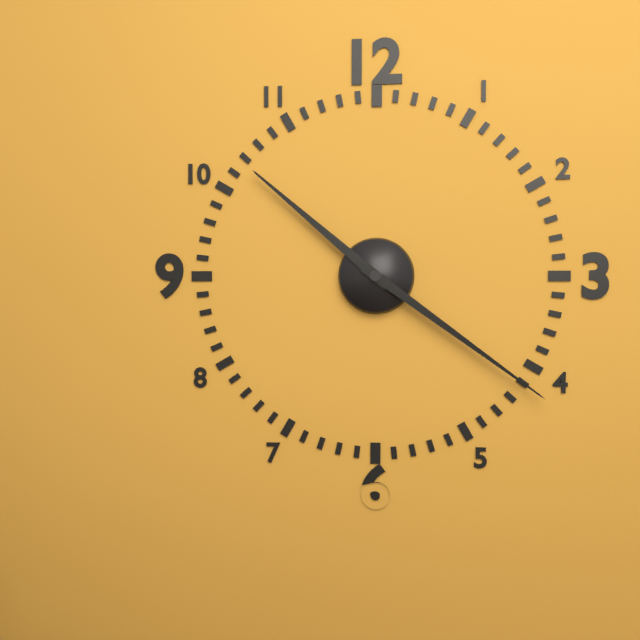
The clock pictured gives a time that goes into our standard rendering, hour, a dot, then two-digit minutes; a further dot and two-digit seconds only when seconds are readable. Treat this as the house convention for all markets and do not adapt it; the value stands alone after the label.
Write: 10.21
